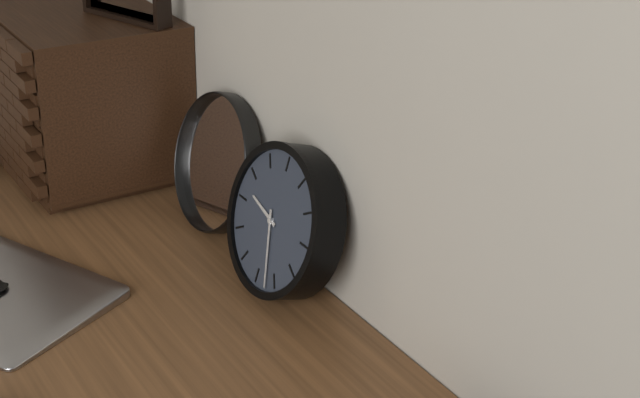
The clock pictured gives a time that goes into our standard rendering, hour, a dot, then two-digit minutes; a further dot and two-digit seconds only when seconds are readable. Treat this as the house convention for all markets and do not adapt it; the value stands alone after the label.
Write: 9.27
